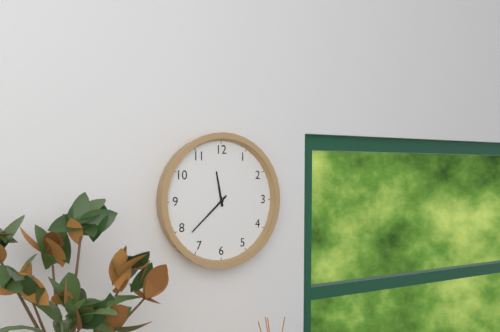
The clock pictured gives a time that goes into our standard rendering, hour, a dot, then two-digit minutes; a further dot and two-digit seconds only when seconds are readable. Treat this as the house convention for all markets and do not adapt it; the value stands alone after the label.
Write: 11.38
